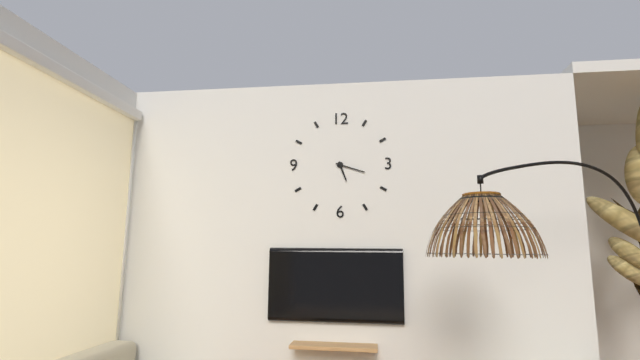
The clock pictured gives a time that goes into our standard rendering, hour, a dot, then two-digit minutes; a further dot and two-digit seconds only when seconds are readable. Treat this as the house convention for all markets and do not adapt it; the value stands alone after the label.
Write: 5.18
